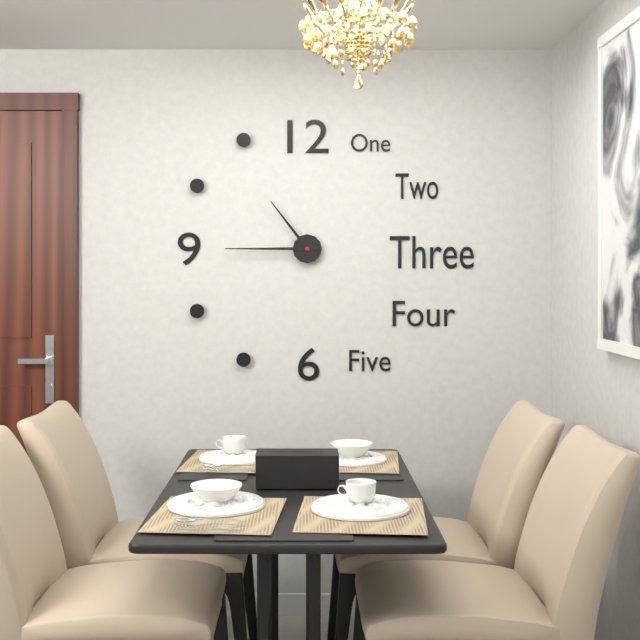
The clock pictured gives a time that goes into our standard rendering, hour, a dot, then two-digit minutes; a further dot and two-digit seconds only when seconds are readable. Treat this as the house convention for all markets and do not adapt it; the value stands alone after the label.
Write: 10.45
